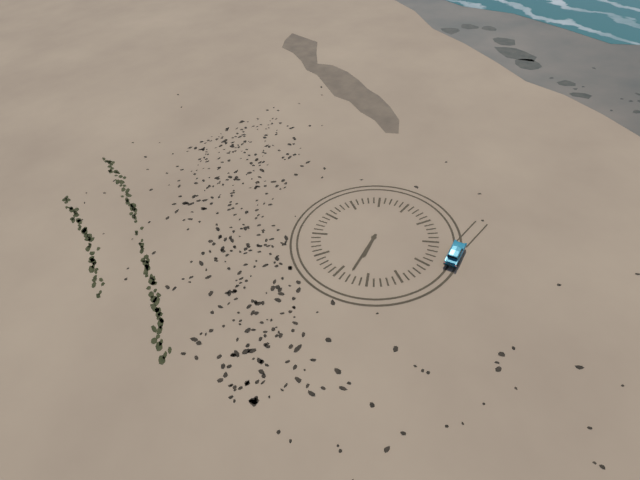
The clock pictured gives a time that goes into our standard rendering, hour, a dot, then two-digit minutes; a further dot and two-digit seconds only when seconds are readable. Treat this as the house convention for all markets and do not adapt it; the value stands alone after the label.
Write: 5.28
